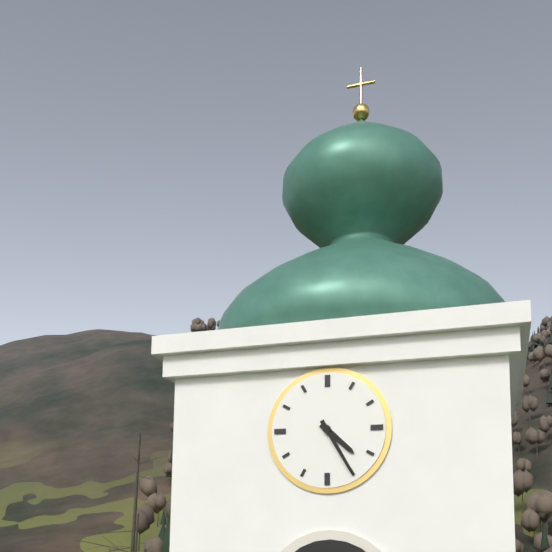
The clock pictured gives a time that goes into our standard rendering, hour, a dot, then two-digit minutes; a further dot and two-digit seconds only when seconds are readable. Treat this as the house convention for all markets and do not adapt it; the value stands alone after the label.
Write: 4.25
